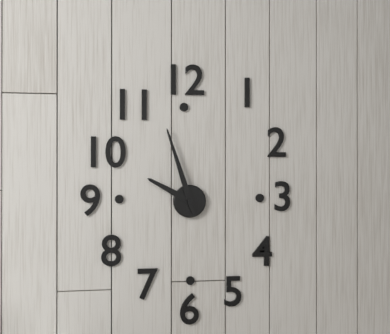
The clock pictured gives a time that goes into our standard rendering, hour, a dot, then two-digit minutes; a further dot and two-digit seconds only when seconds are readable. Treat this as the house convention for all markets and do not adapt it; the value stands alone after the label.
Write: 9.57
